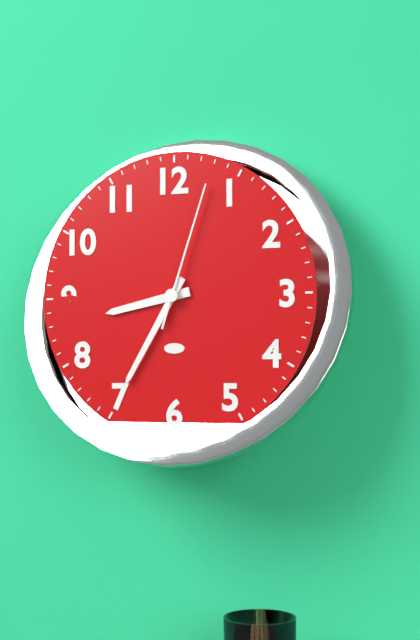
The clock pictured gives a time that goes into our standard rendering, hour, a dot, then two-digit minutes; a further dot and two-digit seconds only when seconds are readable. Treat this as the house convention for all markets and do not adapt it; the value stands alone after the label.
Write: 8.35.03
